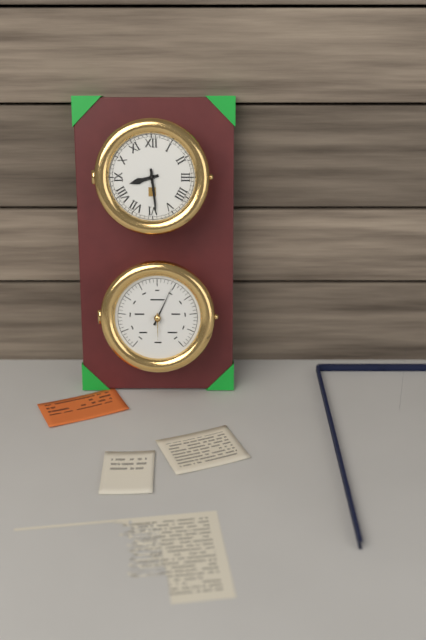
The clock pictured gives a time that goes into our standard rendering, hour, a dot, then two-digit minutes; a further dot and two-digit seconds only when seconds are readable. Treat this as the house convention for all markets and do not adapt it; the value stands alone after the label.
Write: 8.29
